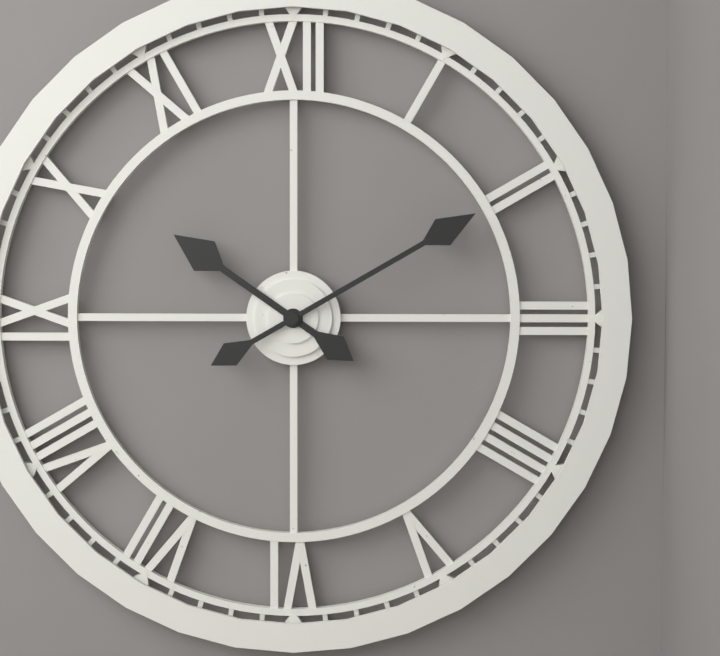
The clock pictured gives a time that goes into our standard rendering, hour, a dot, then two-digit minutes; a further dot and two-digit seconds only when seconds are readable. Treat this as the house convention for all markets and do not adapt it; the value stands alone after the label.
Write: 10.10
